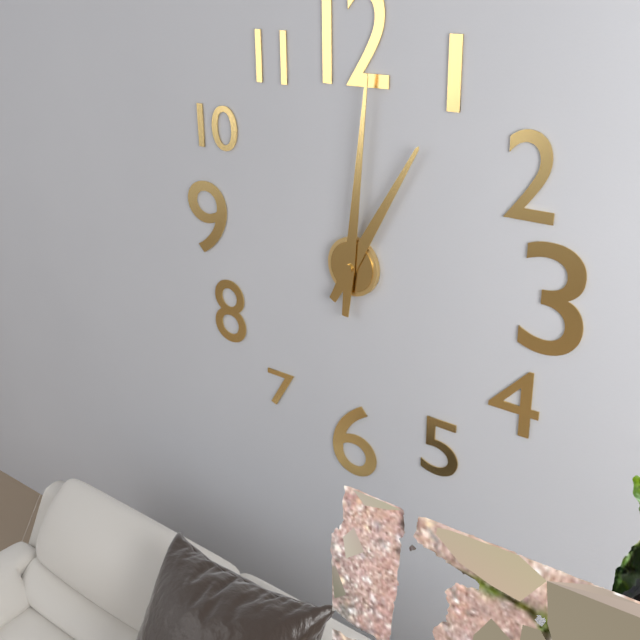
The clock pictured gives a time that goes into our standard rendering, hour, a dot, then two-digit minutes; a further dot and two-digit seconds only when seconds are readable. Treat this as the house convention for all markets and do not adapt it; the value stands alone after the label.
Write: 1.01
